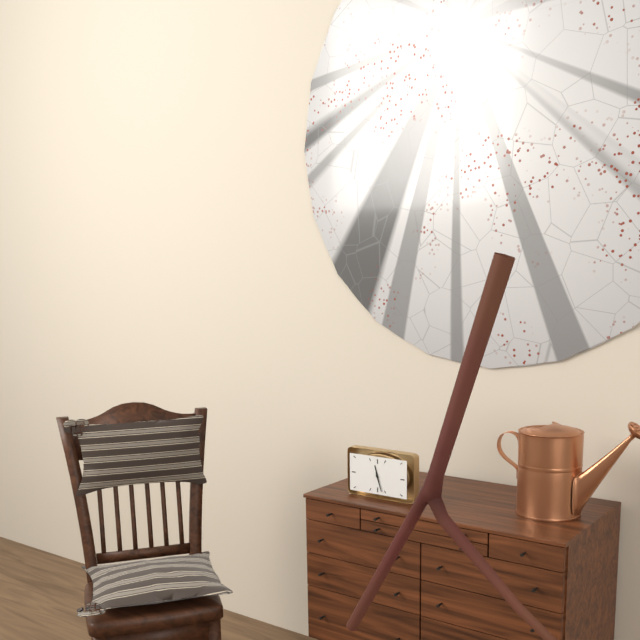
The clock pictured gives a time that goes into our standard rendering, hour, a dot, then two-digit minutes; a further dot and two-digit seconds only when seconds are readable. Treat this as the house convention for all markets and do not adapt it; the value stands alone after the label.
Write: 11.27
